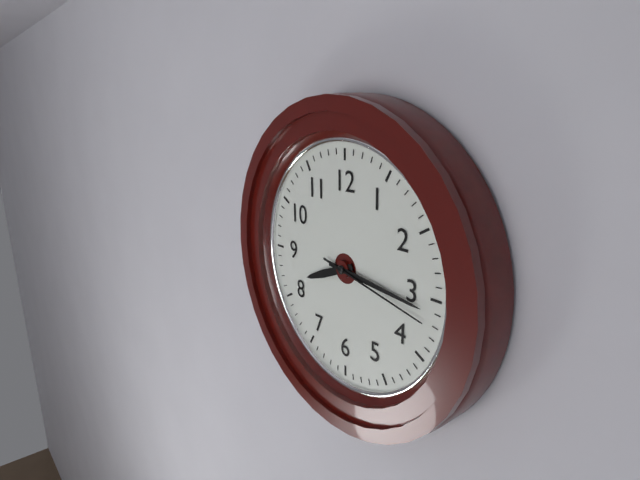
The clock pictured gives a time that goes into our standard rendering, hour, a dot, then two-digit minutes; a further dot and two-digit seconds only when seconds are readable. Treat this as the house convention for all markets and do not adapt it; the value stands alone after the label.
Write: 8.16.17
